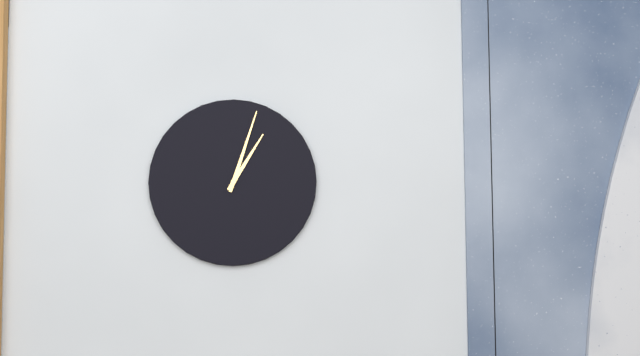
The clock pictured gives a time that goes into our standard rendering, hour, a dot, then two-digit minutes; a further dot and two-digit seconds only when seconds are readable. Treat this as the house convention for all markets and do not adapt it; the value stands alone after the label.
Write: 1.03
